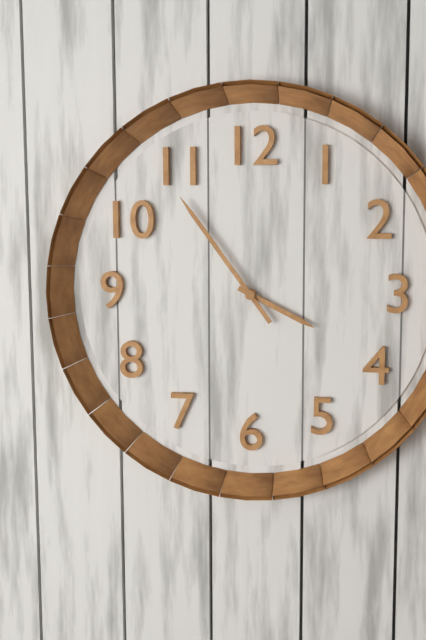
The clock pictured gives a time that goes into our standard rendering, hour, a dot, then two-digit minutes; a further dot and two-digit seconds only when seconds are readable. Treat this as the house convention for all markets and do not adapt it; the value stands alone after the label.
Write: 3.54
